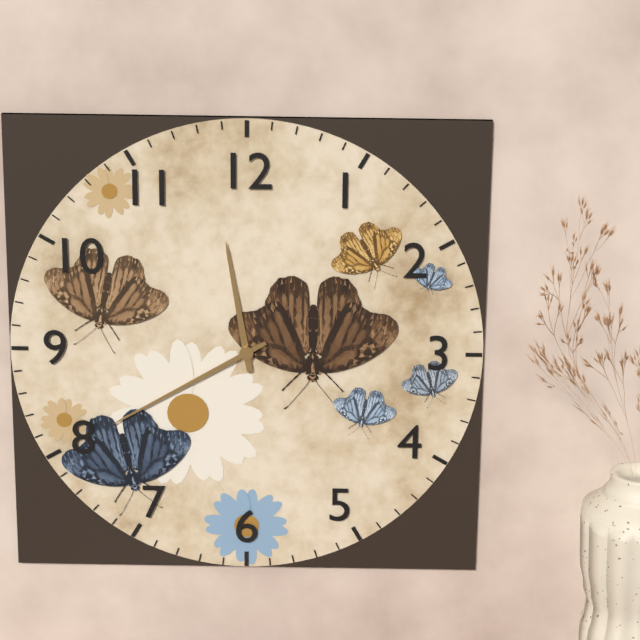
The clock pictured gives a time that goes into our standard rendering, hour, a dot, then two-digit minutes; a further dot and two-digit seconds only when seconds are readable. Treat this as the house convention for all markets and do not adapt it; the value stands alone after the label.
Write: 11.40
